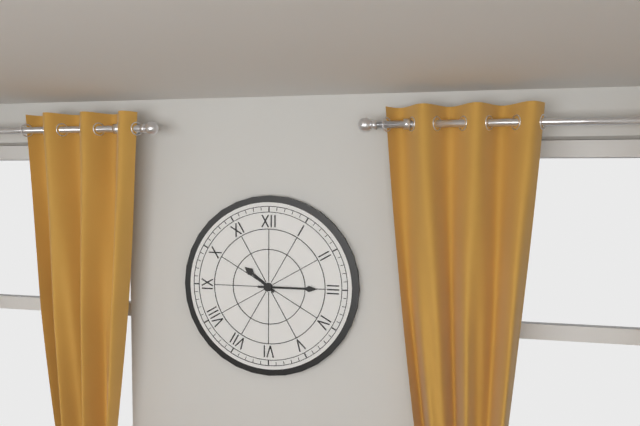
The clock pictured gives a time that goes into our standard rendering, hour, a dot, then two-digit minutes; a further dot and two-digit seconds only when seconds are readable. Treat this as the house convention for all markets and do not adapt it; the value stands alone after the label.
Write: 10.15
